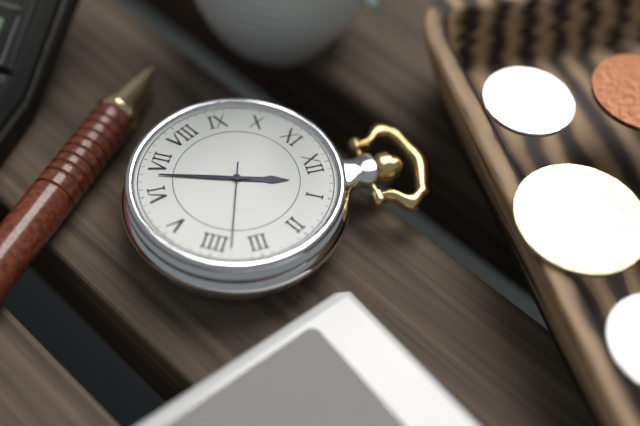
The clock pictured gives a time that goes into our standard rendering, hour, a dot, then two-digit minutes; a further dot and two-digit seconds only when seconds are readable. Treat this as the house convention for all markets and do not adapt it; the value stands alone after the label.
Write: 12.33.18
